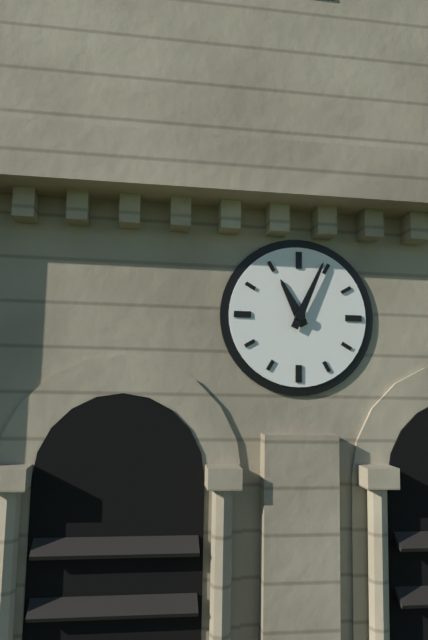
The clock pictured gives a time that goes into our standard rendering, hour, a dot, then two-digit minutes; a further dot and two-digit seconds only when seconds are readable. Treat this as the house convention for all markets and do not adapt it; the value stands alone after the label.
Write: 11.04
